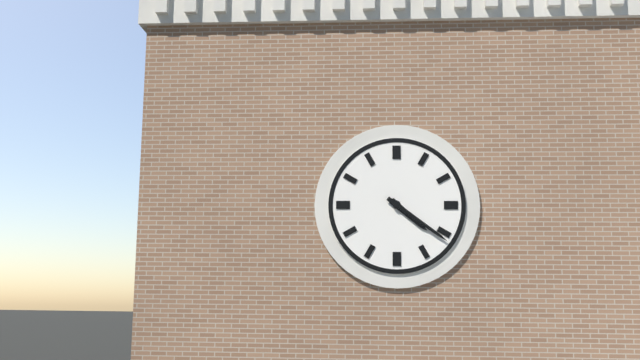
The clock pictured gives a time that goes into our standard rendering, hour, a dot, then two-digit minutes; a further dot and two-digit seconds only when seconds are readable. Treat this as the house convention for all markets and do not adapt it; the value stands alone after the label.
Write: 4.21
